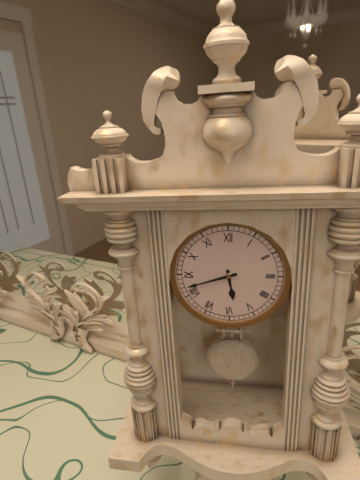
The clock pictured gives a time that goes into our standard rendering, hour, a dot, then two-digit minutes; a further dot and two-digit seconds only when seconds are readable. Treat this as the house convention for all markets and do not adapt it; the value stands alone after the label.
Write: 5.42
